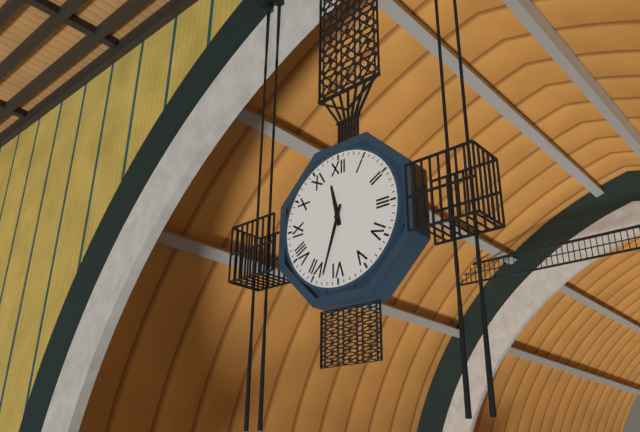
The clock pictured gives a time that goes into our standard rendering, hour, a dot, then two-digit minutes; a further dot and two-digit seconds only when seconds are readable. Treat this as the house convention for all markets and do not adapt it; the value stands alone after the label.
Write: 11.33
